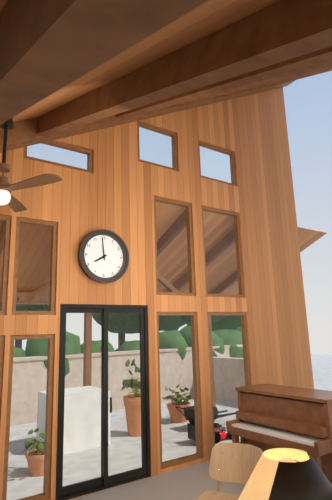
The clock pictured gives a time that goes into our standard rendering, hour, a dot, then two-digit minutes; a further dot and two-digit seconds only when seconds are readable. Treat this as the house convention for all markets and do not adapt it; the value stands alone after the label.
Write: 7.59
